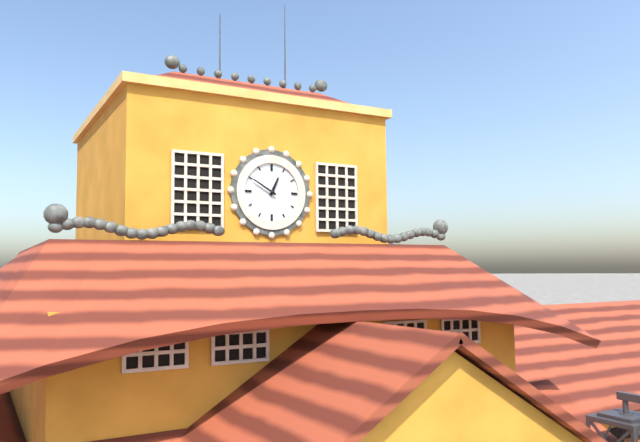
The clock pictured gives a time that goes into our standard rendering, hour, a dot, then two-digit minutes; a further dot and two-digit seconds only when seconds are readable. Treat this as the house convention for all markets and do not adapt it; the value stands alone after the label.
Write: 12.50
